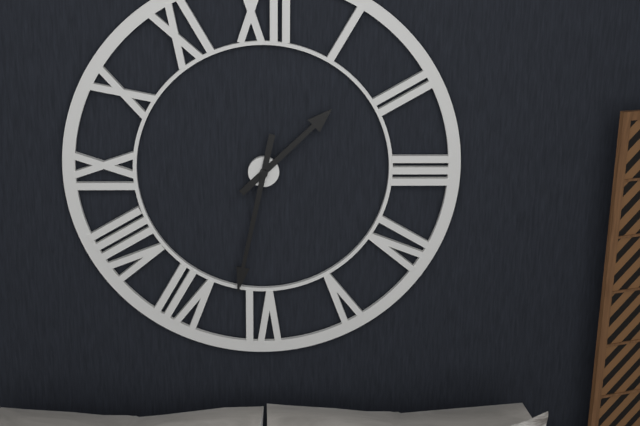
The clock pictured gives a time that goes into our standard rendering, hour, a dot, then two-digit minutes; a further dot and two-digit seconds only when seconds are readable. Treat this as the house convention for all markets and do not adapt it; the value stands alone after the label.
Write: 1.32
